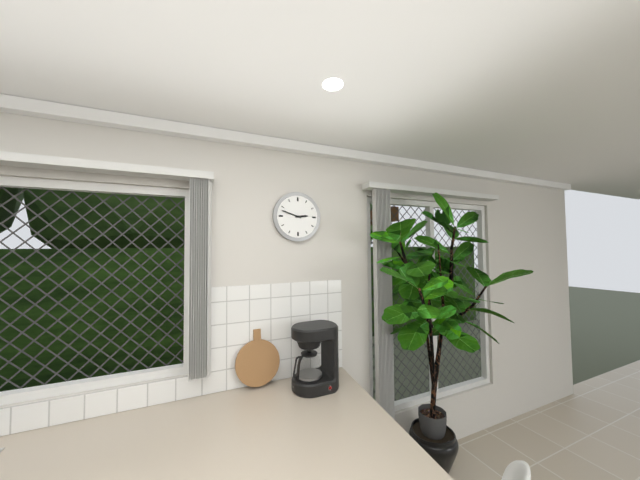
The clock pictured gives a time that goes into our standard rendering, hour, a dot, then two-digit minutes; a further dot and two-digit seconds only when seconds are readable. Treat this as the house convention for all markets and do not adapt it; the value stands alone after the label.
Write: 2.48
